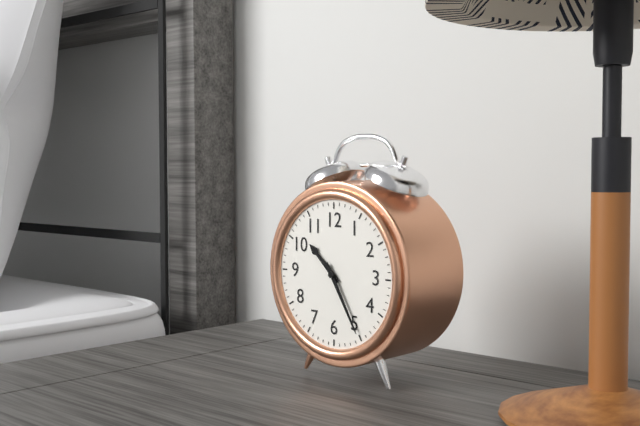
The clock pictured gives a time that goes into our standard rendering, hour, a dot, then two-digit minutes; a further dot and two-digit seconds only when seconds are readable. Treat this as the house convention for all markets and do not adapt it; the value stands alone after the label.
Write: 10.25
